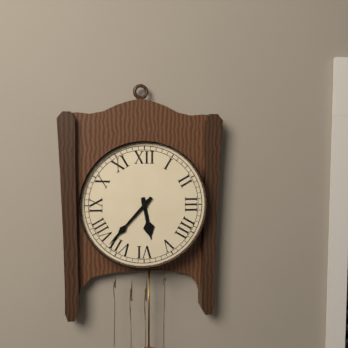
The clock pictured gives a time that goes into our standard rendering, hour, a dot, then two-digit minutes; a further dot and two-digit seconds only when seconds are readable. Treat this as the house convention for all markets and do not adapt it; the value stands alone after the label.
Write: 5.37
